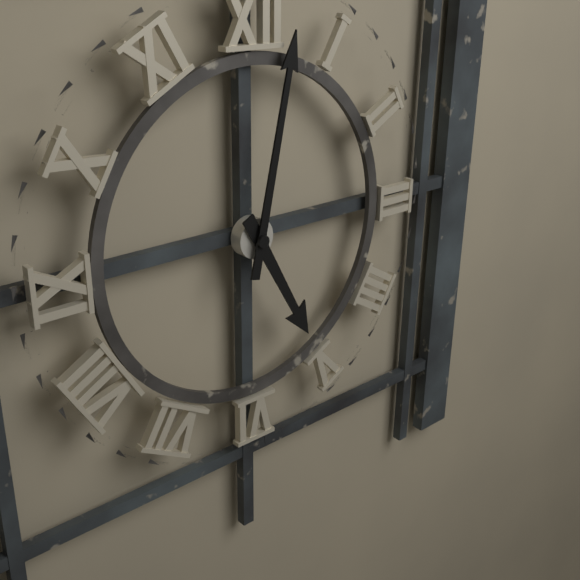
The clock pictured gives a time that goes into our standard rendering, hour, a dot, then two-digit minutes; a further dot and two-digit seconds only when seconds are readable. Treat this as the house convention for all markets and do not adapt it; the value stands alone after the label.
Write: 5.02
